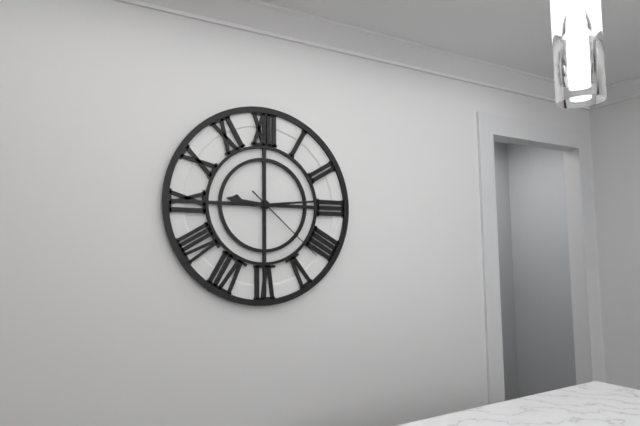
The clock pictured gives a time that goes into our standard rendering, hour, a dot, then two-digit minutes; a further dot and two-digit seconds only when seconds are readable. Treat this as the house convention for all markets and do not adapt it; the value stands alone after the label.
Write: 9.14.22
